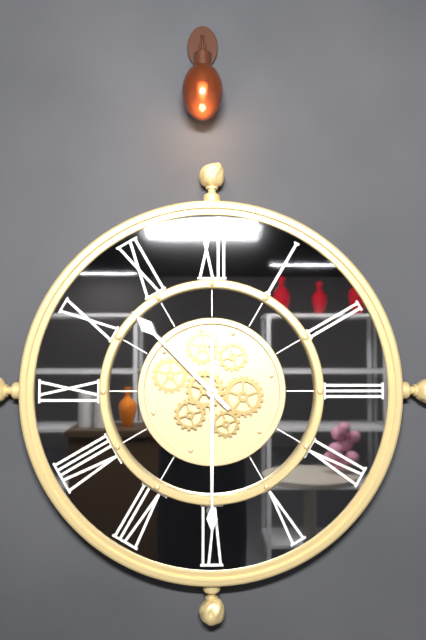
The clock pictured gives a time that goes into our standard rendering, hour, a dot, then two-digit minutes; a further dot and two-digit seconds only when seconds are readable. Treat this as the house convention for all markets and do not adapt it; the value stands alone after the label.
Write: 10.30
